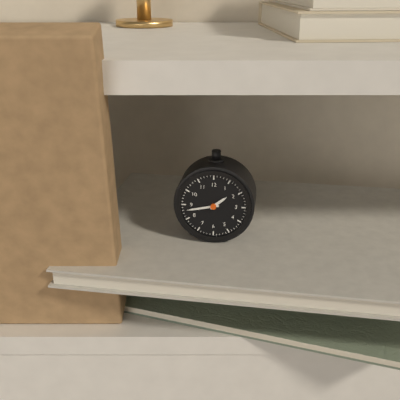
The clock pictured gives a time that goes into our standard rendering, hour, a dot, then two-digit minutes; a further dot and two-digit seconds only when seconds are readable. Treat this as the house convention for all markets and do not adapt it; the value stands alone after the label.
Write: 1.43
